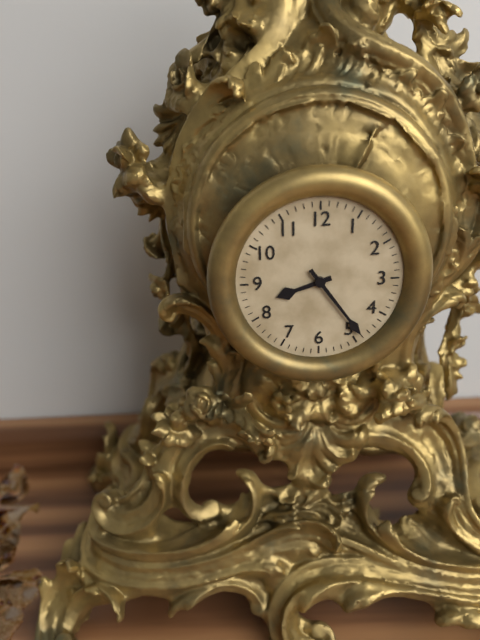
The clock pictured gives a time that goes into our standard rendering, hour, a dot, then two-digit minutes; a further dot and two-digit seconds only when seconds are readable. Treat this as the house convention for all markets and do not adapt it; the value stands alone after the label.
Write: 8.24
